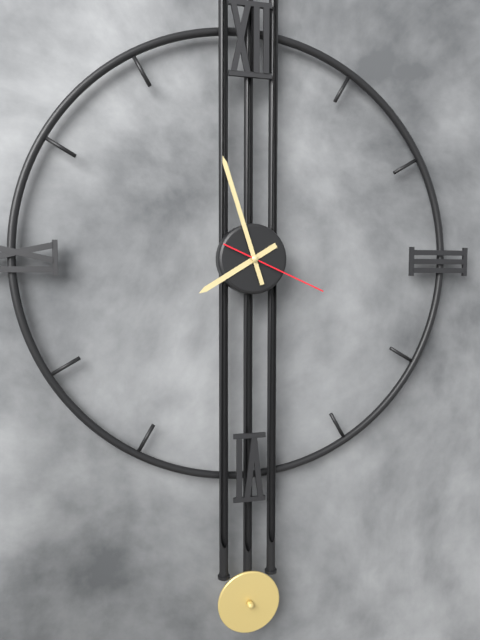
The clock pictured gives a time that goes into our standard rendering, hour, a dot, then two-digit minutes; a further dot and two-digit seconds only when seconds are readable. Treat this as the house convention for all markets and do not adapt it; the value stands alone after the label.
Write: 7.57.19
